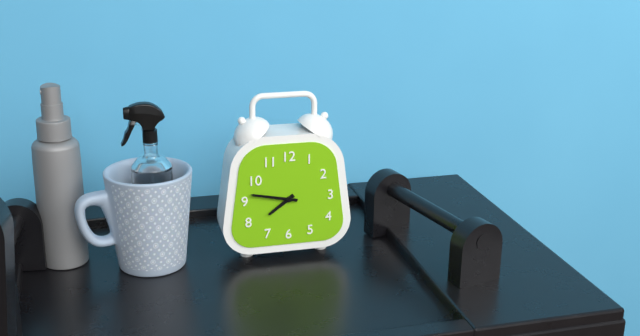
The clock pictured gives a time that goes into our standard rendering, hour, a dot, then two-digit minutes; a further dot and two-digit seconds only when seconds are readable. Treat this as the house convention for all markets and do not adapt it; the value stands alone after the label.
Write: 7.47
